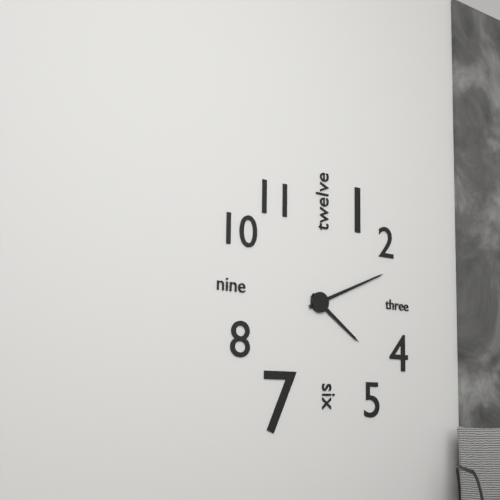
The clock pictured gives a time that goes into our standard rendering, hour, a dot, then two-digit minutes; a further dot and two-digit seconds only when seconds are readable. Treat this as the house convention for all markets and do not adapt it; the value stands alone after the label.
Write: 4.11
